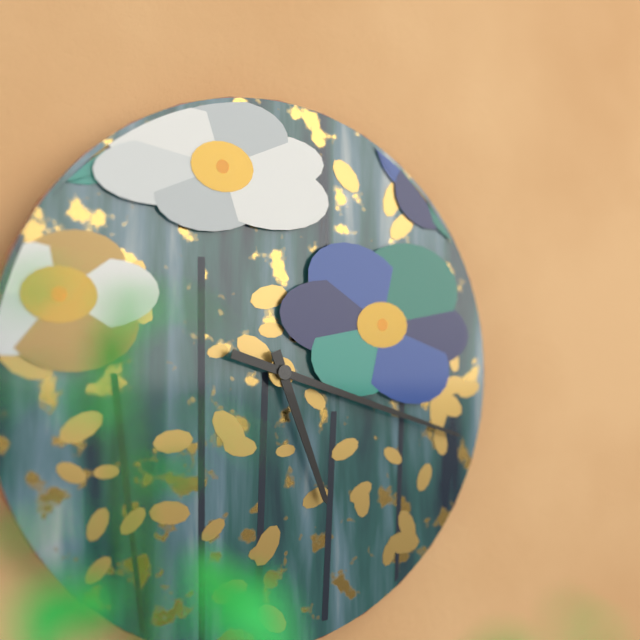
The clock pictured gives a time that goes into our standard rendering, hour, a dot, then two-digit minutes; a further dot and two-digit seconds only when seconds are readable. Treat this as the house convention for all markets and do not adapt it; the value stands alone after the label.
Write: 5.18
